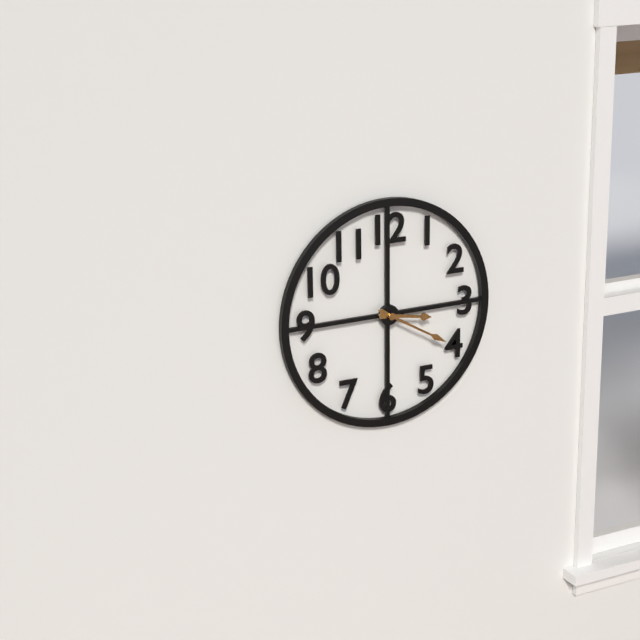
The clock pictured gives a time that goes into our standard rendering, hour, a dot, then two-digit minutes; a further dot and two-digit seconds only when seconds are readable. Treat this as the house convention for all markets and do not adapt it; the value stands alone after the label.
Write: 3.20
